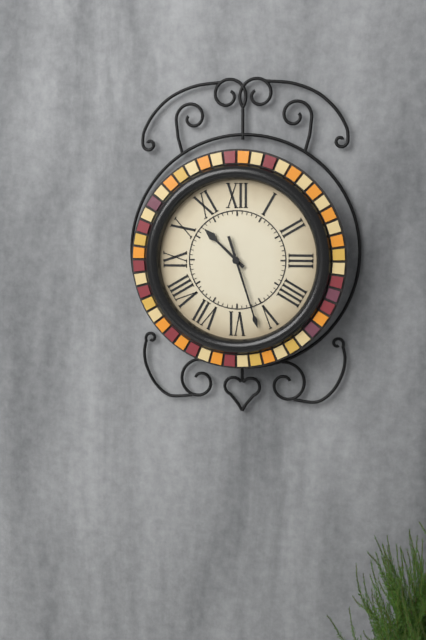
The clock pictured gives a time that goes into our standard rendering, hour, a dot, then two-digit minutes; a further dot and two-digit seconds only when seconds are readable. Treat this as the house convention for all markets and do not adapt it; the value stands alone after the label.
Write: 10.27
